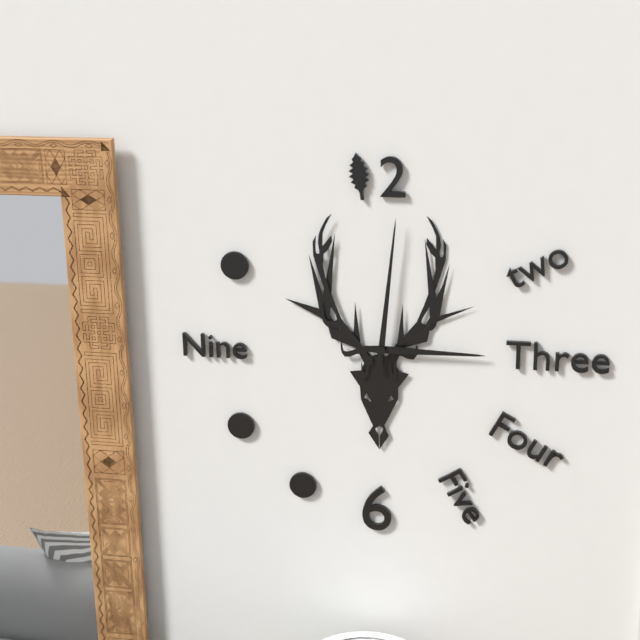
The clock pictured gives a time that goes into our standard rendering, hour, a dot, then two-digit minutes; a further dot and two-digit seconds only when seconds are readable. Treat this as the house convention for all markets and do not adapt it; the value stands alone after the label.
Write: 3.01
